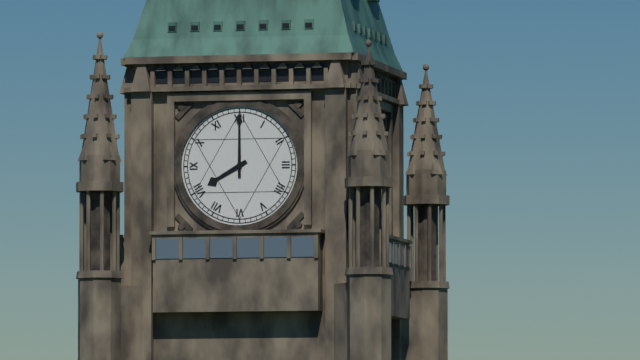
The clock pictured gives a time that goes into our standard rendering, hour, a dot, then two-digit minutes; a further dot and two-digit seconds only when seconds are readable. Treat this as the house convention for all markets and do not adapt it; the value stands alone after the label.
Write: 8.00
